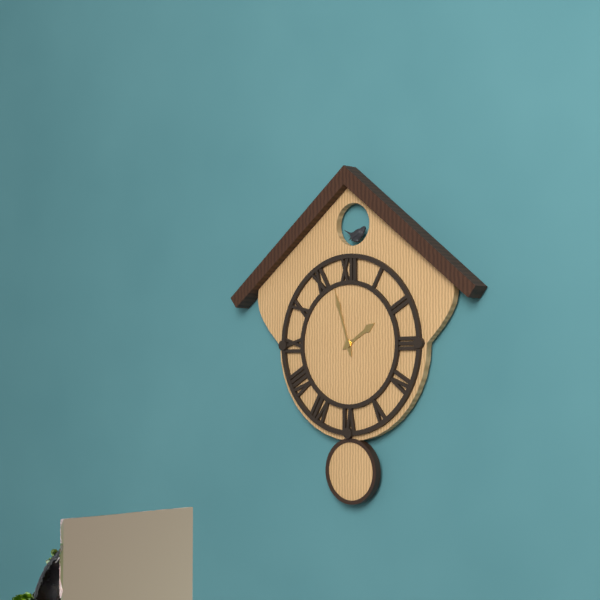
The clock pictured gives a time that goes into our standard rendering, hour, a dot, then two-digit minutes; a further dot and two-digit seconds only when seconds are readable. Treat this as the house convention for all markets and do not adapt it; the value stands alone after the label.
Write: 1.57
